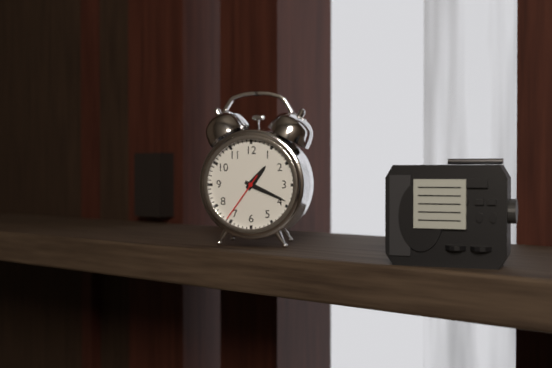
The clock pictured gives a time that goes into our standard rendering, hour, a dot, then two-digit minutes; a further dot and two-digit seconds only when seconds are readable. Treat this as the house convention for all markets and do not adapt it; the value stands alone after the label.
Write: 1.19.36
